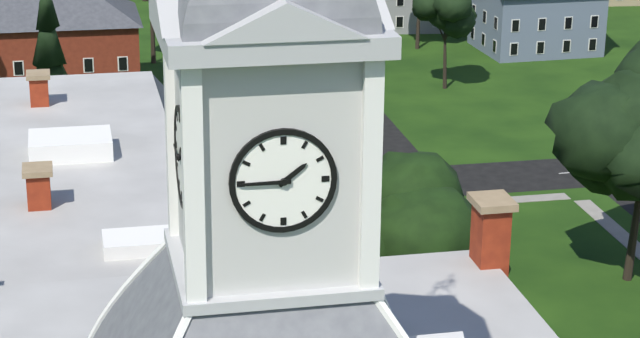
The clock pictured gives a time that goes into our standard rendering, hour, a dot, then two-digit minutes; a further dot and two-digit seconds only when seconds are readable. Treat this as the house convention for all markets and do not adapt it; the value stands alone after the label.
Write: 1.45
